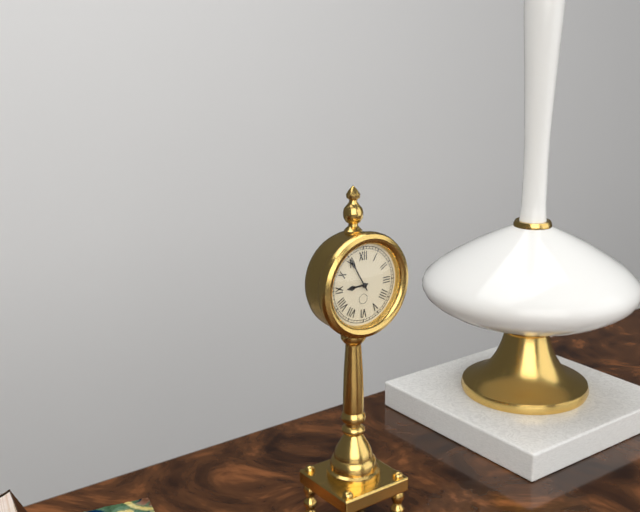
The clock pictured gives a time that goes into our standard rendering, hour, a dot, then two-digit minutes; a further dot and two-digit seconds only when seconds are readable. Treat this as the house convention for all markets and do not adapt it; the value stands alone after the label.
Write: 8.55
